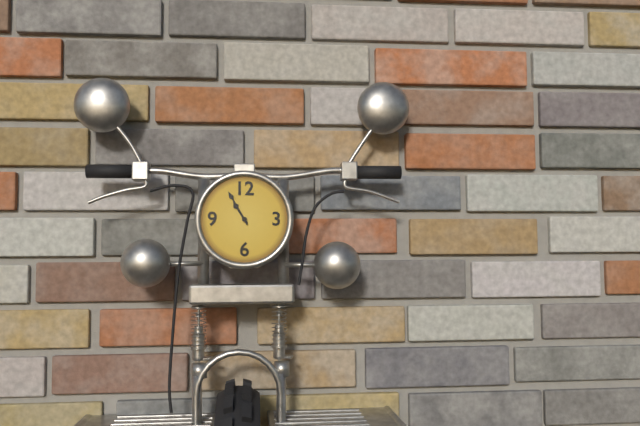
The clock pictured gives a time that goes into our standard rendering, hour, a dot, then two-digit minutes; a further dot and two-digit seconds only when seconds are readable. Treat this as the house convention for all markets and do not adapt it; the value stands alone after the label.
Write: 10.55
